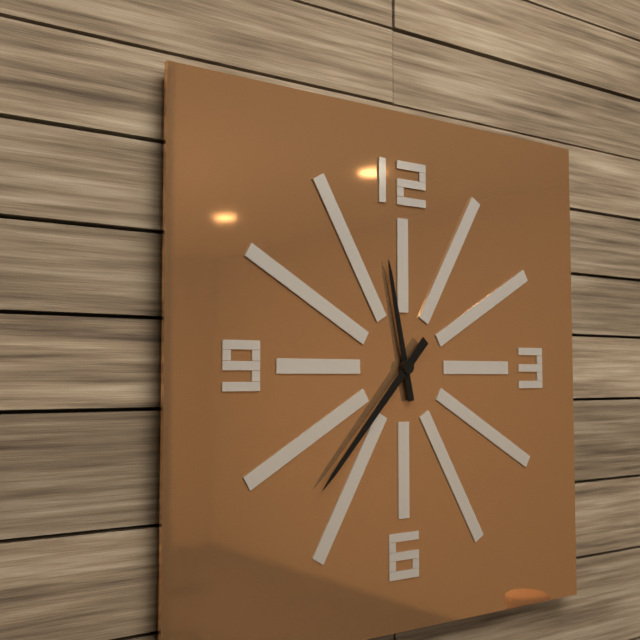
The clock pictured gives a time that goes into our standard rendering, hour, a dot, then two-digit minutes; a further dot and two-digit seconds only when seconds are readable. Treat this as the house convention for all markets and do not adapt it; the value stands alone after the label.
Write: 11.37
